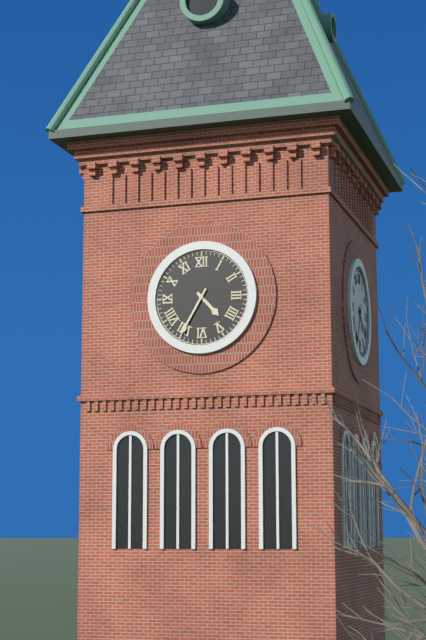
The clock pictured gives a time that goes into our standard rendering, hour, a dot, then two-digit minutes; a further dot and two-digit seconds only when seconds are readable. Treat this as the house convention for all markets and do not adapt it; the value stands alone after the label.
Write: 4.35
